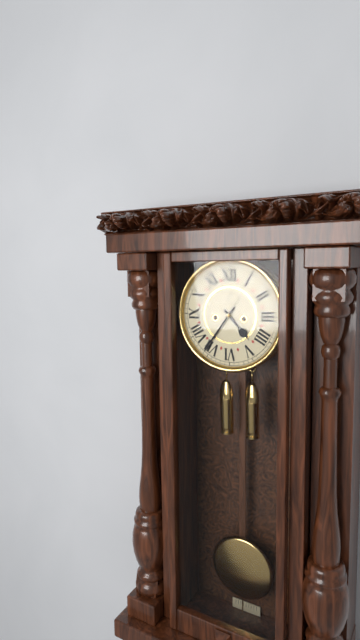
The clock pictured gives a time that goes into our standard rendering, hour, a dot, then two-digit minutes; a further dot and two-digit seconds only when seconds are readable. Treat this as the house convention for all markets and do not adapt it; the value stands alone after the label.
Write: 4.36
